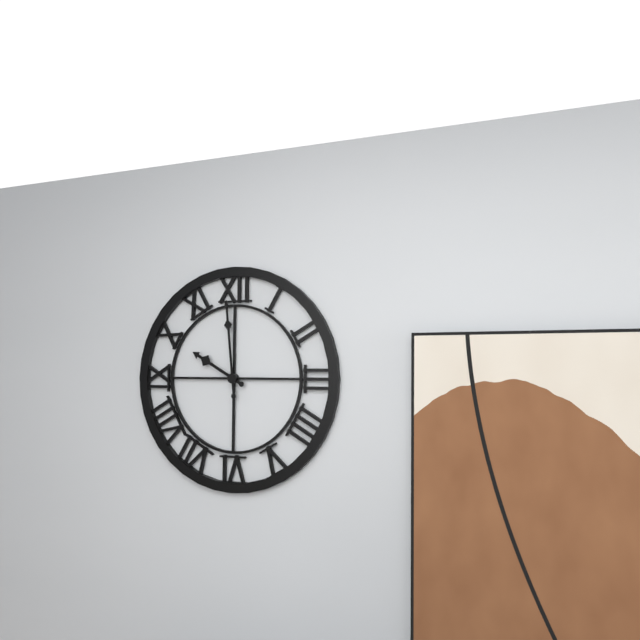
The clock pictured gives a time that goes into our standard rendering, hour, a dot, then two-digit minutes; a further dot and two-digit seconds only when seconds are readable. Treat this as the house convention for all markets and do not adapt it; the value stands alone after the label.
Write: 9.59
